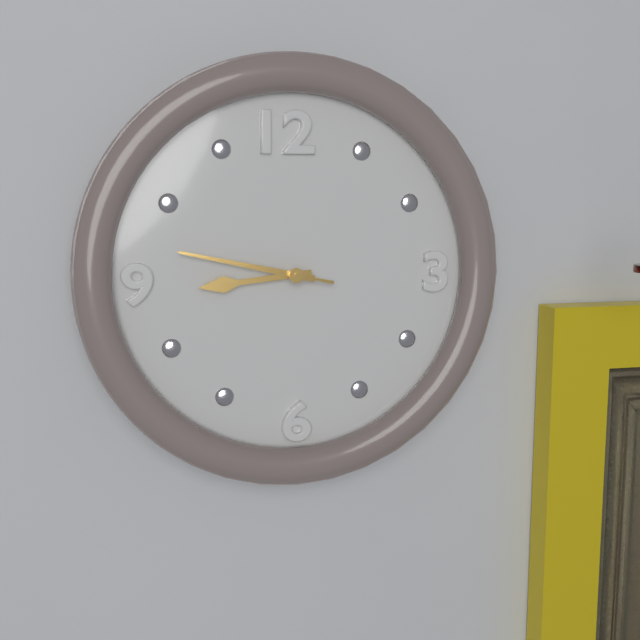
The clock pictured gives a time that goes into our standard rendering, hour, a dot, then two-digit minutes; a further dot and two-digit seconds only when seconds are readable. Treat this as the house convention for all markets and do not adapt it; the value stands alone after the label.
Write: 8.47.47
